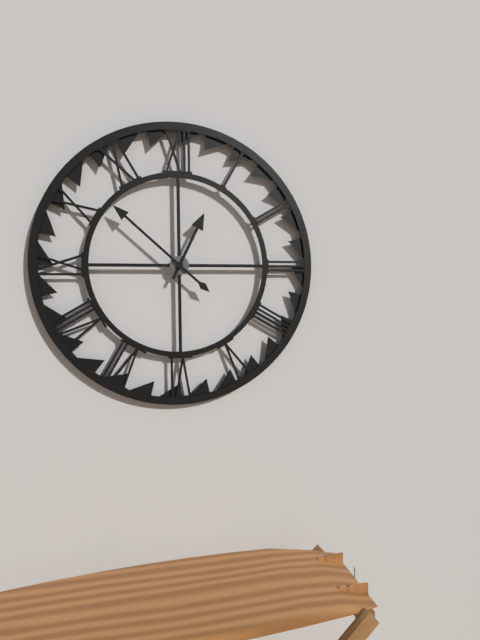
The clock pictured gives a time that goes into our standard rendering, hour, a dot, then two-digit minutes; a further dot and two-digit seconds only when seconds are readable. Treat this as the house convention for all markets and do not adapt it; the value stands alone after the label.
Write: 12.52
